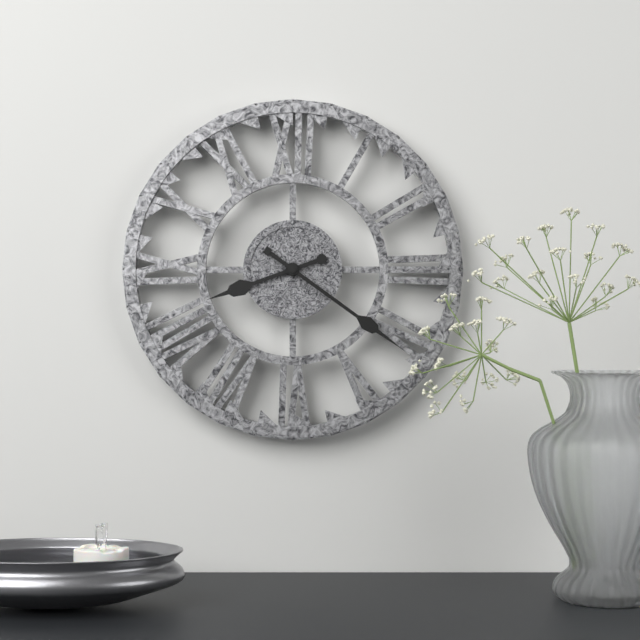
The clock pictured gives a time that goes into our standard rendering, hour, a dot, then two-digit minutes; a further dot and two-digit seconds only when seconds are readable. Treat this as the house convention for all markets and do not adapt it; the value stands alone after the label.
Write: 8.21
